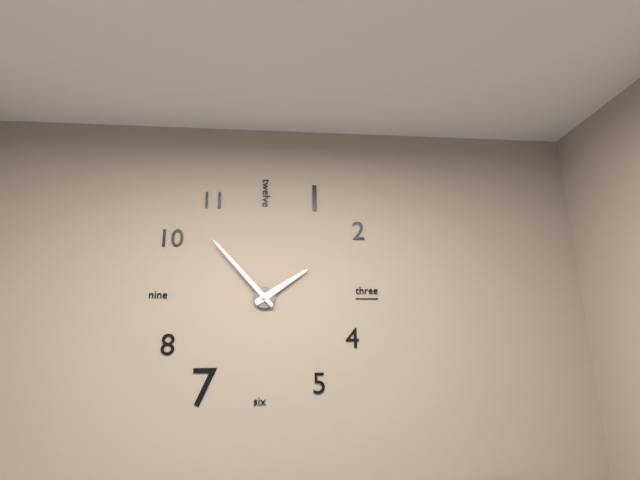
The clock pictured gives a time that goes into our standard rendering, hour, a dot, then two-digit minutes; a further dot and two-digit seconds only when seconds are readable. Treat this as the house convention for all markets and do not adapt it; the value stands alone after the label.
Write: 1.53
